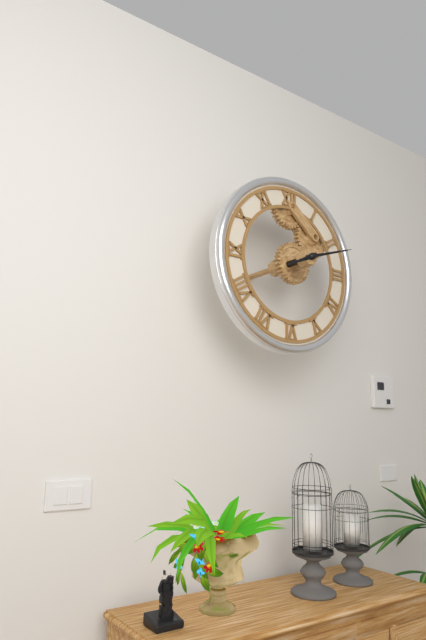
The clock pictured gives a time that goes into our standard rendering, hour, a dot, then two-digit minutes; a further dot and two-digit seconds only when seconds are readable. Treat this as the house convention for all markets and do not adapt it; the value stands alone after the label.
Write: 8.12
